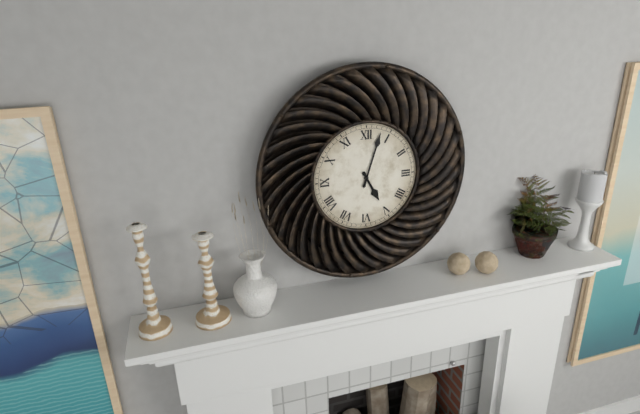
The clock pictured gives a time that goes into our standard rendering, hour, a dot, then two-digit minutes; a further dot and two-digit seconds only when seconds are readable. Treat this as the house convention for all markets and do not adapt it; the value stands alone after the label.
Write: 5.03
